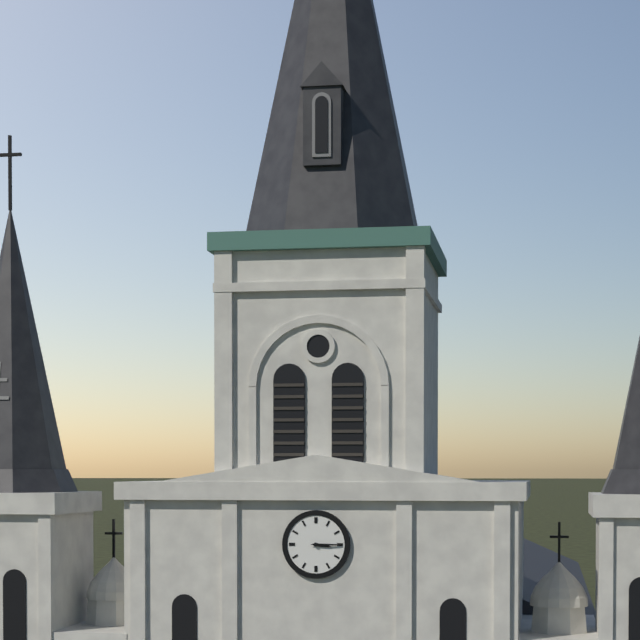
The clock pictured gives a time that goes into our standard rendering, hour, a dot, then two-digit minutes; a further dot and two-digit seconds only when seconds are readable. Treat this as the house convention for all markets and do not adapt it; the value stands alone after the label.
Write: 3.15
